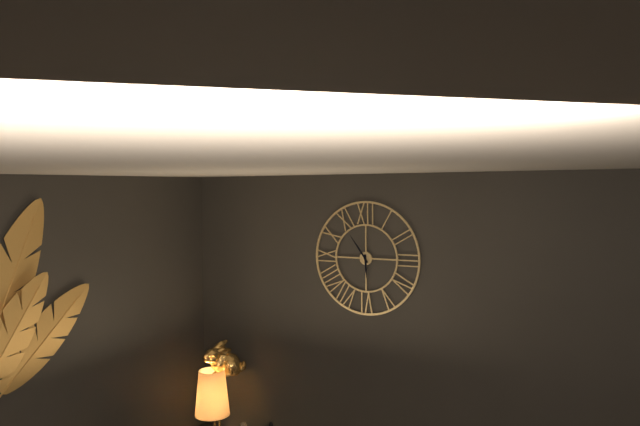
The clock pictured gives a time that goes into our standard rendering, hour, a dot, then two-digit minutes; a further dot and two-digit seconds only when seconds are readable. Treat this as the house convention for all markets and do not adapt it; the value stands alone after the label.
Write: 5.54
